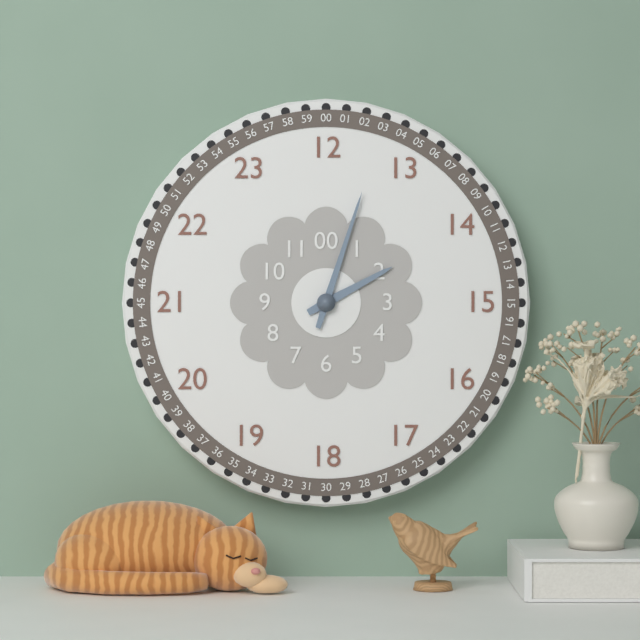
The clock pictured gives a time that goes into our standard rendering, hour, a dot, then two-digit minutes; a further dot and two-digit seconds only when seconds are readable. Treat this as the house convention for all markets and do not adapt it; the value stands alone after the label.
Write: 2.03
